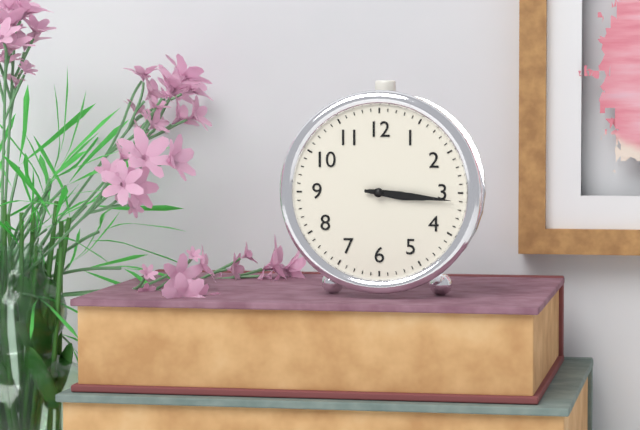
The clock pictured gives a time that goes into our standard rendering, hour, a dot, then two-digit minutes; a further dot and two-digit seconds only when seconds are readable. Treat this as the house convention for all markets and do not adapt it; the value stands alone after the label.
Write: 3.16
